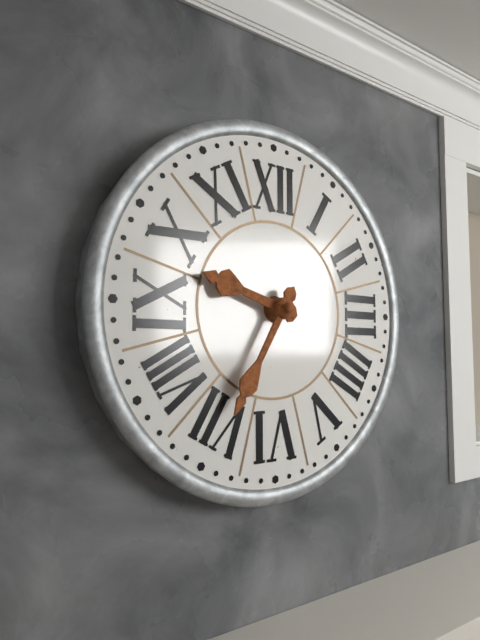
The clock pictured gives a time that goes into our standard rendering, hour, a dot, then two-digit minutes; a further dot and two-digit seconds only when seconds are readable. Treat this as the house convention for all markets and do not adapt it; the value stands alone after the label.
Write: 9.35
